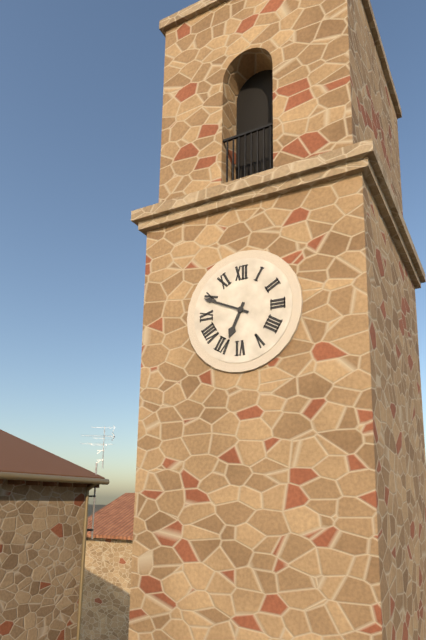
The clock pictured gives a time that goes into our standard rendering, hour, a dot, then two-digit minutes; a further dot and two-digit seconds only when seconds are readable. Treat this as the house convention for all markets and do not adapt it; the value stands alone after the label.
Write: 6.49
